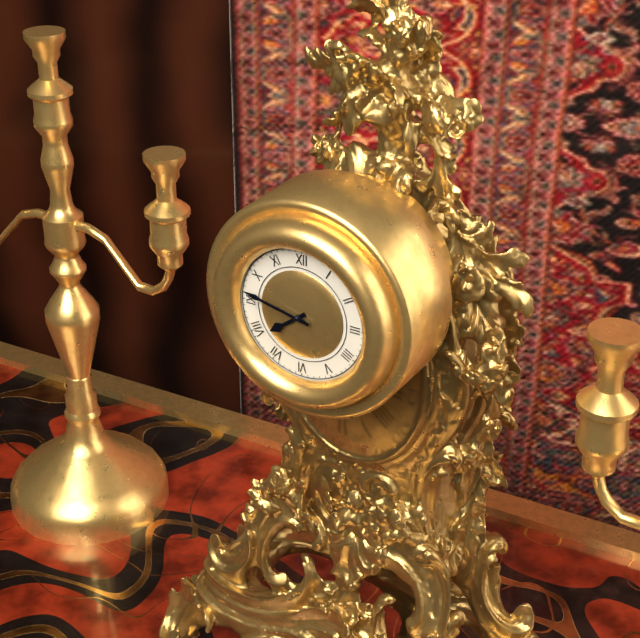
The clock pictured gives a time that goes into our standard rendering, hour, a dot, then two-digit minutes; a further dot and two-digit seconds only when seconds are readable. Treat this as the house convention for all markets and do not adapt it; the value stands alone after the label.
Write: 7.47
